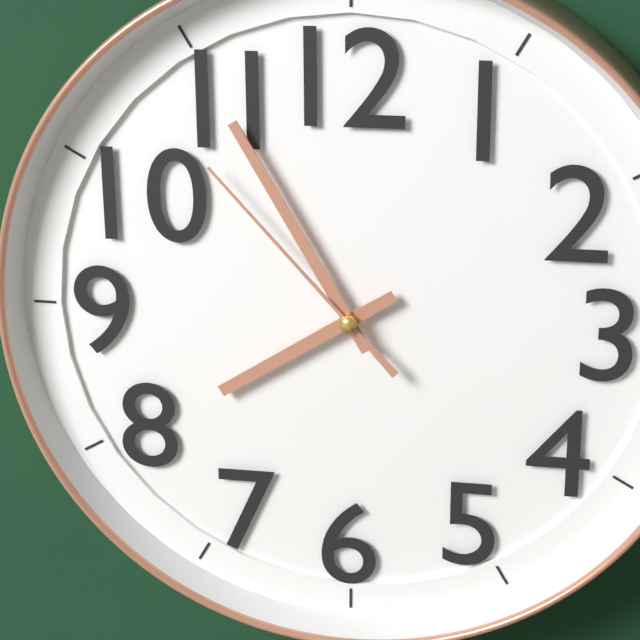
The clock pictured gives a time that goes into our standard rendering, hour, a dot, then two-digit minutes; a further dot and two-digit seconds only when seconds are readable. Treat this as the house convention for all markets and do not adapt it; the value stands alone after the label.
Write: 7.55.53
